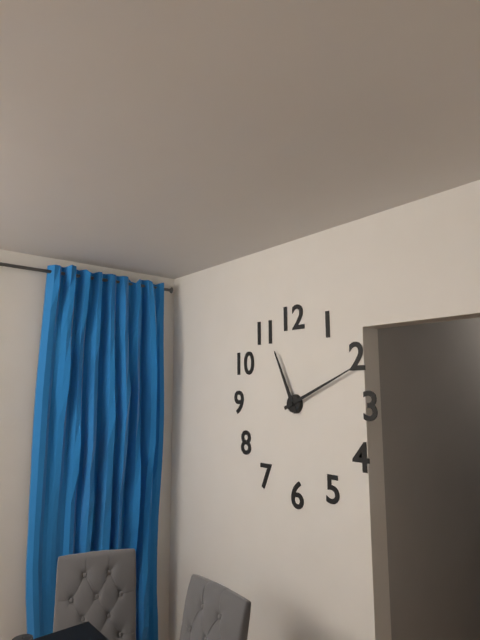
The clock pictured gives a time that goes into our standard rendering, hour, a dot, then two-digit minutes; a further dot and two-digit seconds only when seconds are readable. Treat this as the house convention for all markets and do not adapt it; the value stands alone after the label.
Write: 11.11
